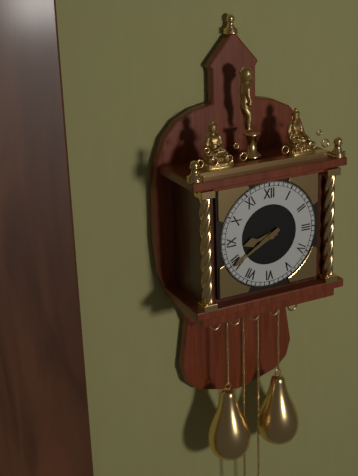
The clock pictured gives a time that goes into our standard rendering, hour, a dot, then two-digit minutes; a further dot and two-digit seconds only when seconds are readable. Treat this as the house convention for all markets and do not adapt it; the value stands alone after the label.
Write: 8.40
